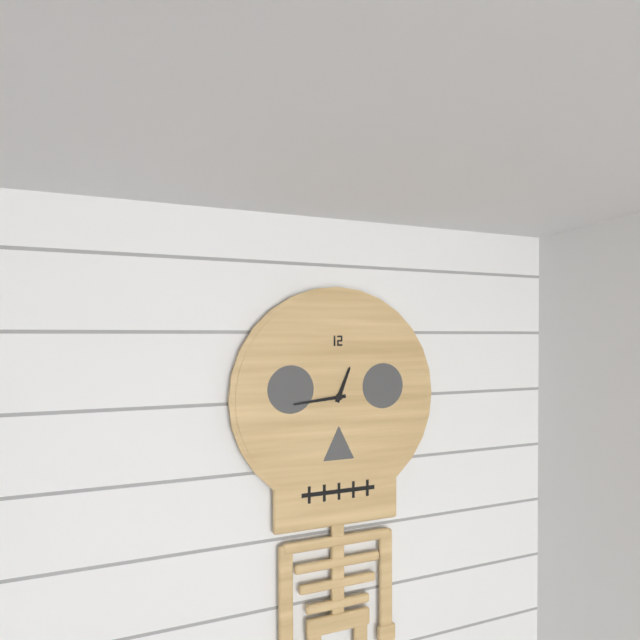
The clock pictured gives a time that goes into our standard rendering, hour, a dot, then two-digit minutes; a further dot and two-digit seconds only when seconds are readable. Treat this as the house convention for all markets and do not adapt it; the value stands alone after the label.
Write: 12.44
